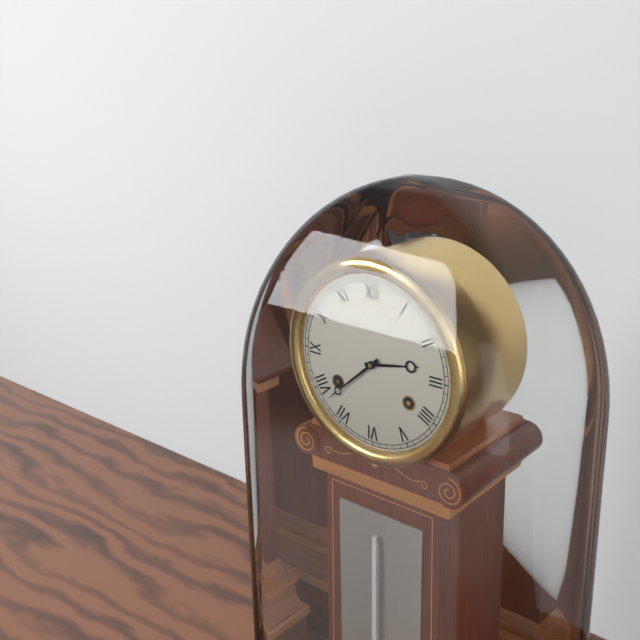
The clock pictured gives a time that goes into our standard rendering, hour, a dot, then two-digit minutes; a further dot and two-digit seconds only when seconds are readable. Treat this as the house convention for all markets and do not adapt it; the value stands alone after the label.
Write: 2.38
